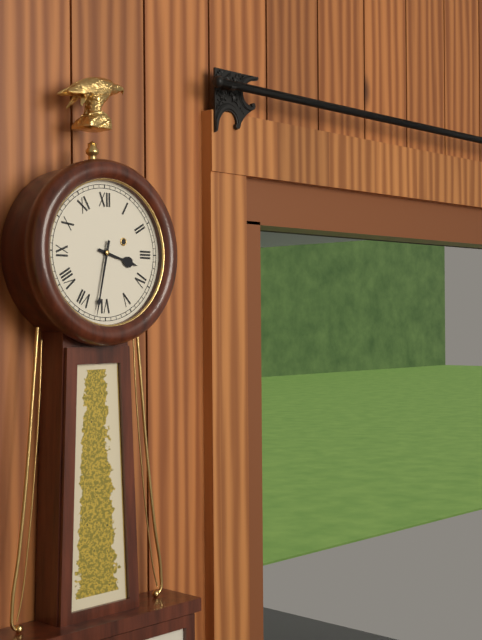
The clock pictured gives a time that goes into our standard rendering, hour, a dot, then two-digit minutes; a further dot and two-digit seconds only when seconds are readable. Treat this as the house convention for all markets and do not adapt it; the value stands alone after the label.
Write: 3.32
